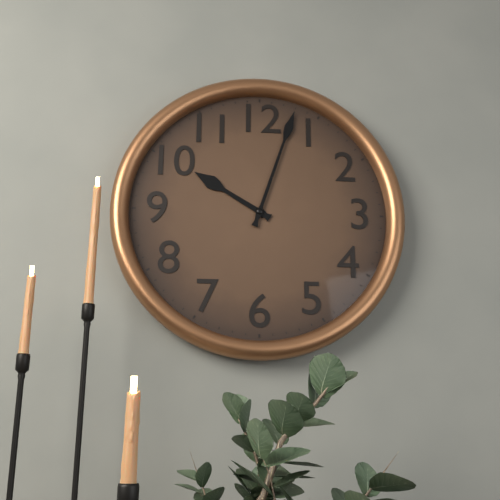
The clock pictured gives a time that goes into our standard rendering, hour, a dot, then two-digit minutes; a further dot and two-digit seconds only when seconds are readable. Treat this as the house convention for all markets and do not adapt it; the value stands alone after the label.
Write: 10.03
